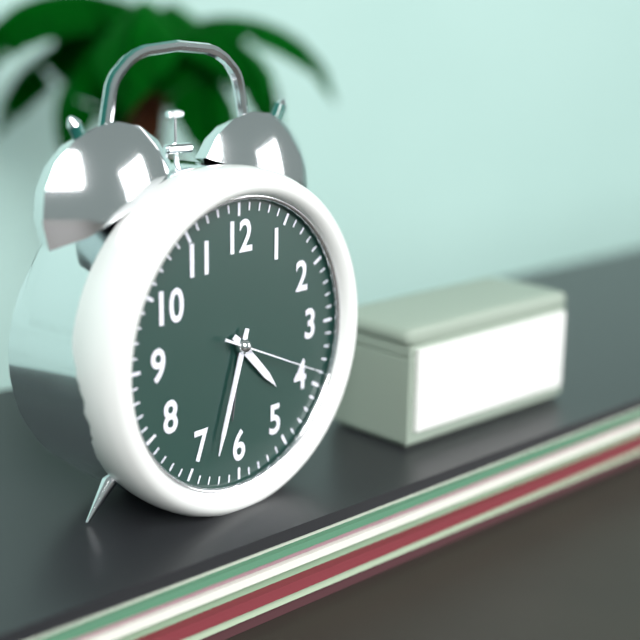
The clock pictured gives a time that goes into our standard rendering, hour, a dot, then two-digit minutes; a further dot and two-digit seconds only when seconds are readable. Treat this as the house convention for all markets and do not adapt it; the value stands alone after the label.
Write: 4.33.19
